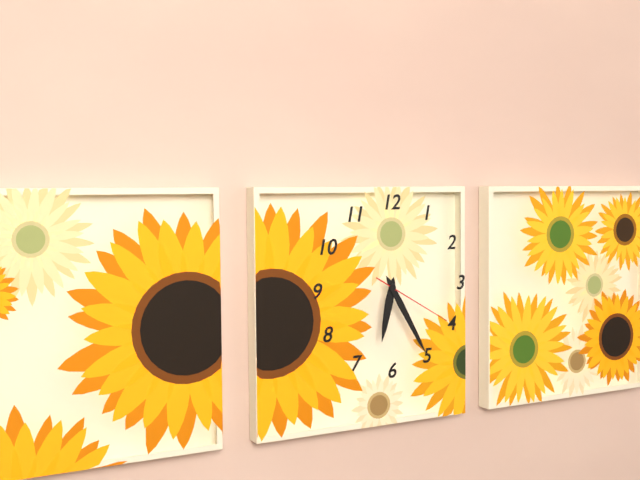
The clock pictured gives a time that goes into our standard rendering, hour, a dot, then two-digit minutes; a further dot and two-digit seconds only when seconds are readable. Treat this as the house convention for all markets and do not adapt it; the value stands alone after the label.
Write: 6.25.20
